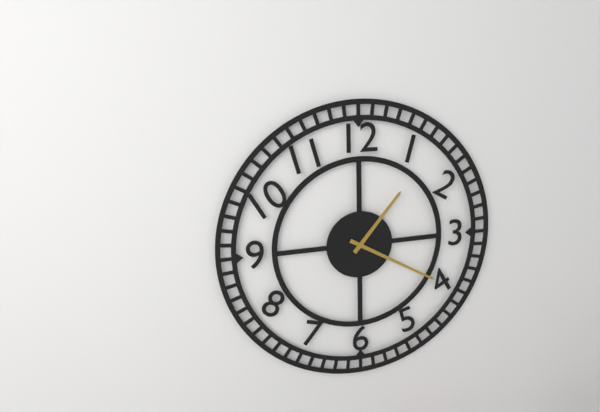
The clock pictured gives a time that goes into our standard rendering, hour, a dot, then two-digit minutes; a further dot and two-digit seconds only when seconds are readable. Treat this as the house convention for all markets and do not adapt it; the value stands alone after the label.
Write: 1.20
